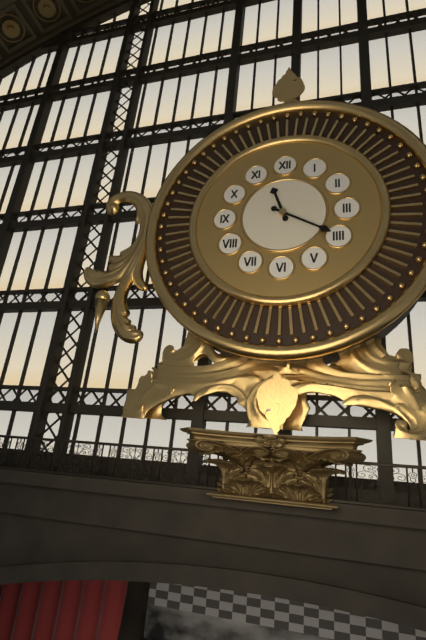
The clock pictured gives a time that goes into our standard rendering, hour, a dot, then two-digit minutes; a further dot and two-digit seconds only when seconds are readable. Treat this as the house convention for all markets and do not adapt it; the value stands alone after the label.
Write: 11.20
